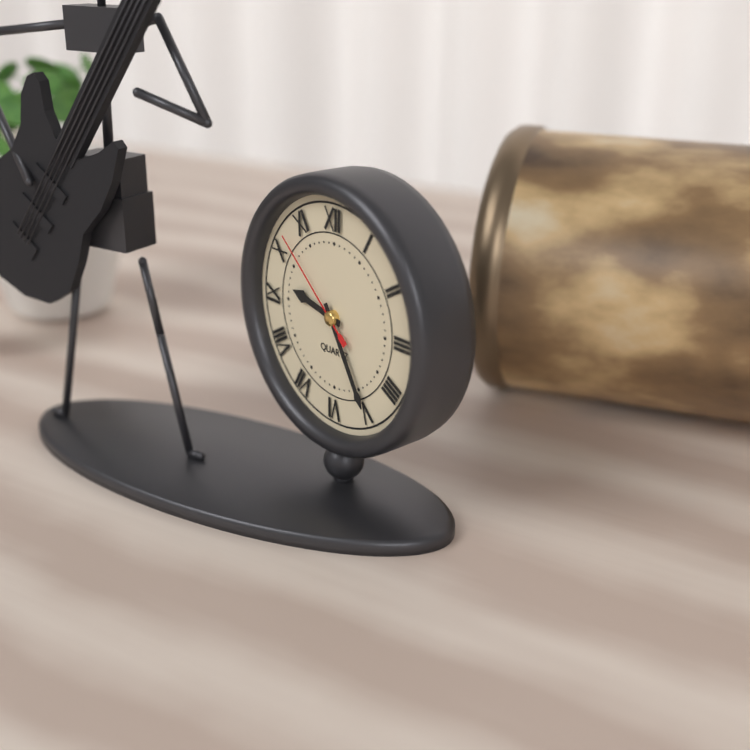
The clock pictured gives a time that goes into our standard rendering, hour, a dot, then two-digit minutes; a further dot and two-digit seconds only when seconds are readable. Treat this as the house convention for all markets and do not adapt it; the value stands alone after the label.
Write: 9.25.52
